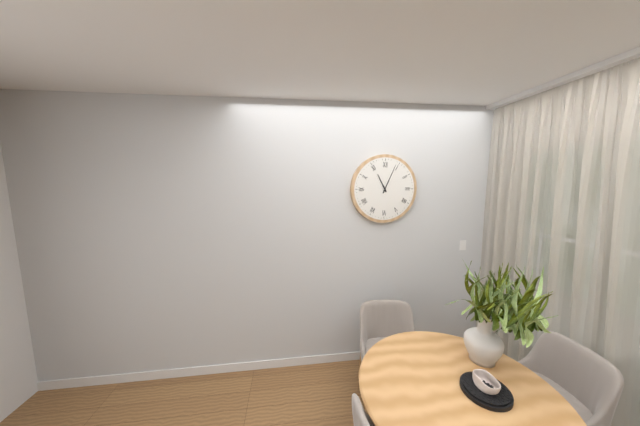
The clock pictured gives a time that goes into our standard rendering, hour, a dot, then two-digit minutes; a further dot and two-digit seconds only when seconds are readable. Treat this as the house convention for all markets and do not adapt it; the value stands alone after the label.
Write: 11.04
